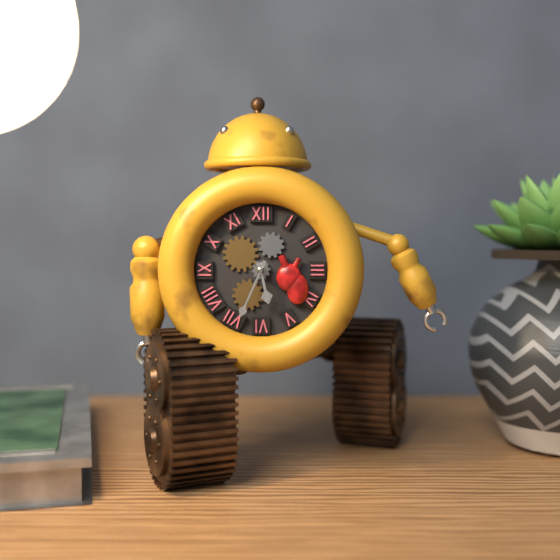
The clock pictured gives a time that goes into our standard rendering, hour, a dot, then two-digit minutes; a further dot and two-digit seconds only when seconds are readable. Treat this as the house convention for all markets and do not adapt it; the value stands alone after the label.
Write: 5.34
